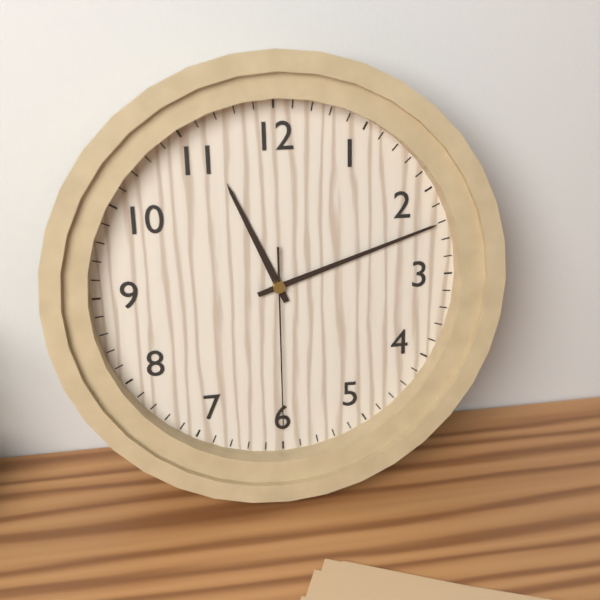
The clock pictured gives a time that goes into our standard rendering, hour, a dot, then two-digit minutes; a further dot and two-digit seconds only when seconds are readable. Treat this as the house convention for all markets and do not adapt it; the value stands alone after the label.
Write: 11.12.30
